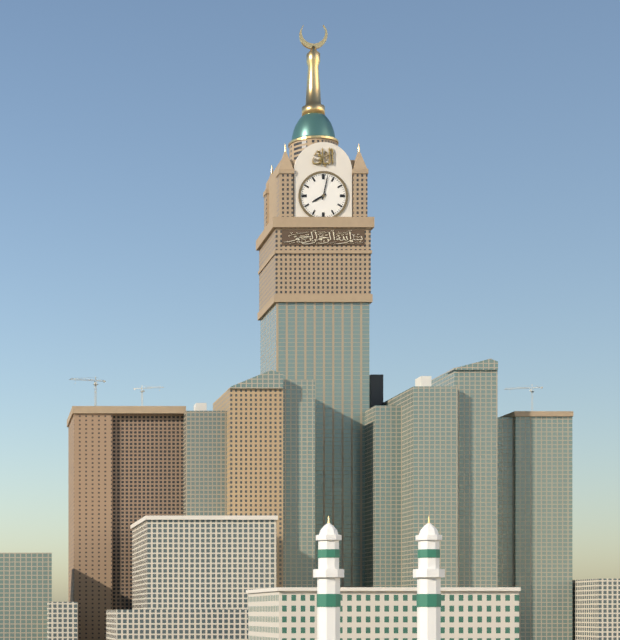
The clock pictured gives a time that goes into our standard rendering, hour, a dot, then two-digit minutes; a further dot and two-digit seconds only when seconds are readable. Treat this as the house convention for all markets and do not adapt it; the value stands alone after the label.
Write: 8.02
